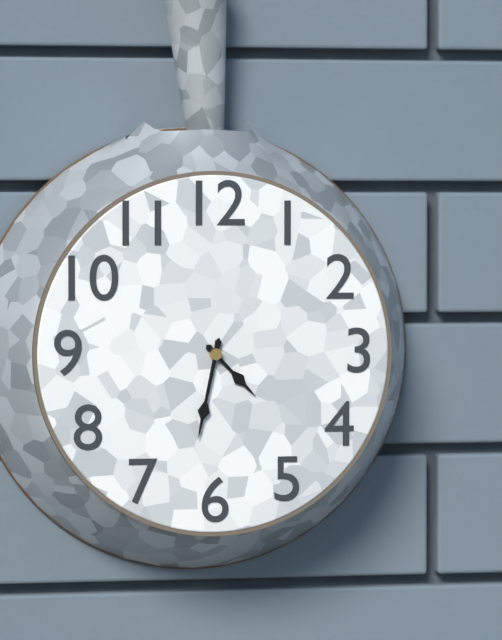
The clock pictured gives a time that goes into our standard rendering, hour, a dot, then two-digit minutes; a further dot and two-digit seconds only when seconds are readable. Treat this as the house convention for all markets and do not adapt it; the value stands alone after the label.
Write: 4.32
